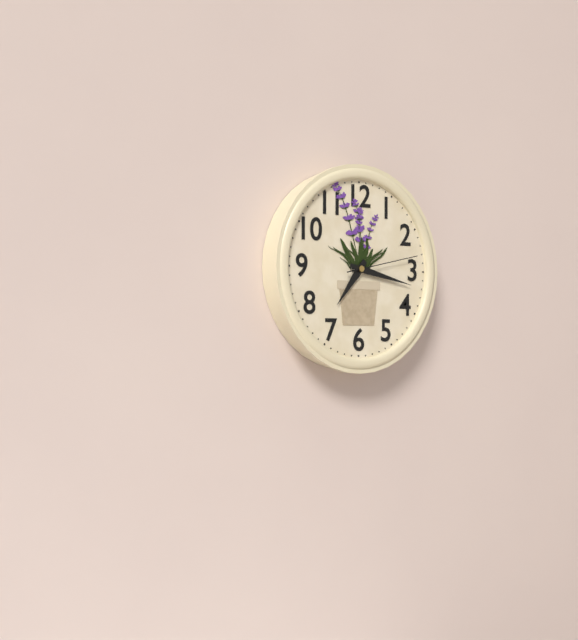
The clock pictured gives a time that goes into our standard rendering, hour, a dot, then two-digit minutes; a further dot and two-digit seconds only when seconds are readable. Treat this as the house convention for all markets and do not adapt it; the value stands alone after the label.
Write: 7.17.13
